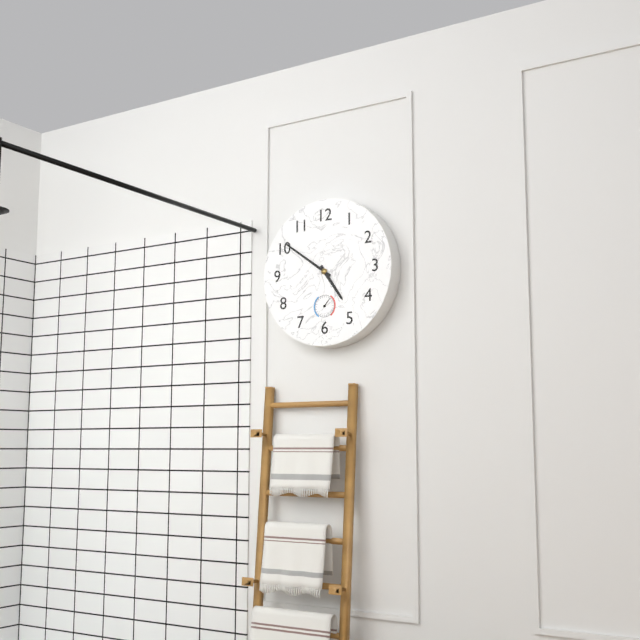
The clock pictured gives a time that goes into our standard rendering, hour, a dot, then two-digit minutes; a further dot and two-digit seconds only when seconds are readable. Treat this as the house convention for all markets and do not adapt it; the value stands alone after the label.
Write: 4.51
